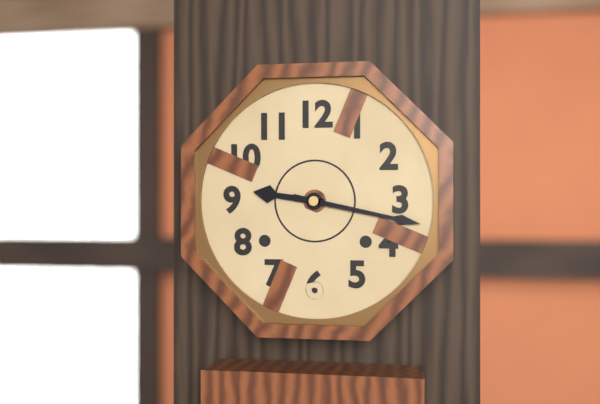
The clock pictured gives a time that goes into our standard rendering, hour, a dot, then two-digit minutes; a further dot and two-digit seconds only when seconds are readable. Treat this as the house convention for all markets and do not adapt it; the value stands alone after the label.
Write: 9.17
